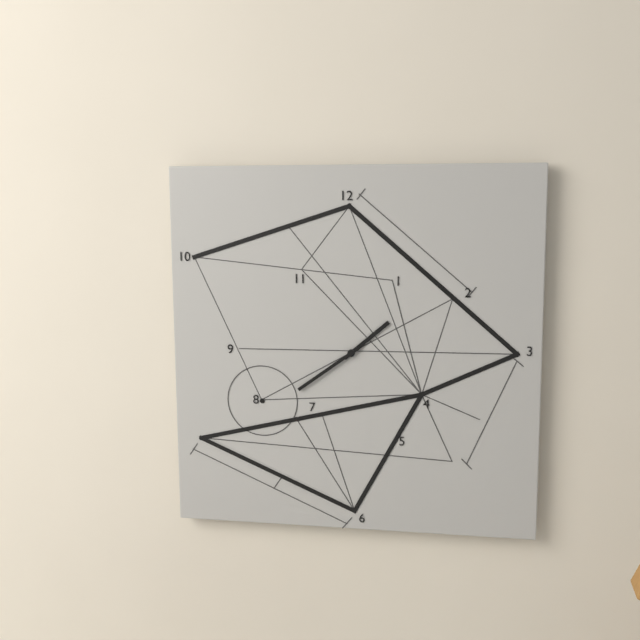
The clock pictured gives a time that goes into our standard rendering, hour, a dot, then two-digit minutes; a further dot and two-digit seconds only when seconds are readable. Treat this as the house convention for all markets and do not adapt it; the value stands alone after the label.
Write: 1.39
